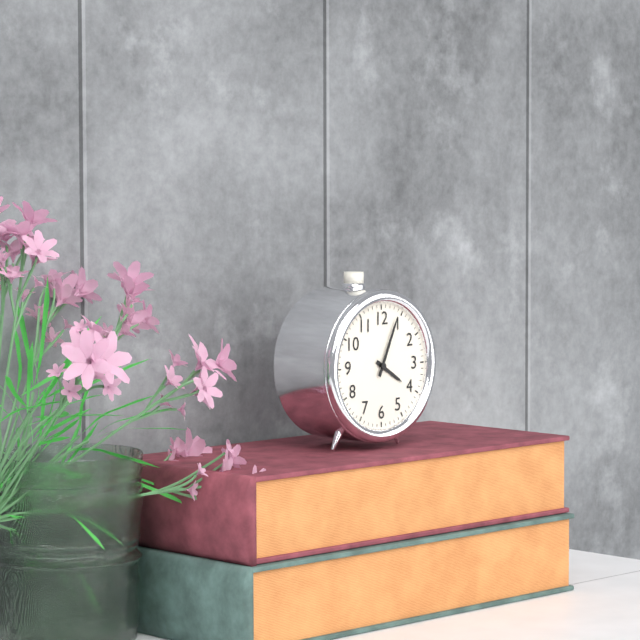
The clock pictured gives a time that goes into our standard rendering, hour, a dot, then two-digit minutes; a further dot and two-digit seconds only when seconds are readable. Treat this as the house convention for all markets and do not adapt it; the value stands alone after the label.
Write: 4.04
